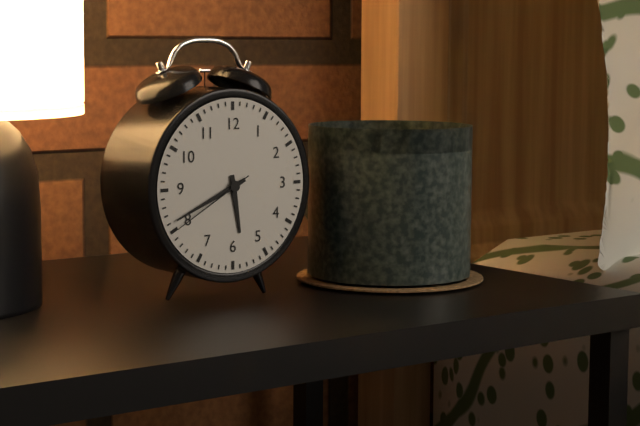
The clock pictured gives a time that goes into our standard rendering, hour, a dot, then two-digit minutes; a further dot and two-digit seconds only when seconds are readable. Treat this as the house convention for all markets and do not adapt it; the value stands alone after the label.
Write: 5.41.40
